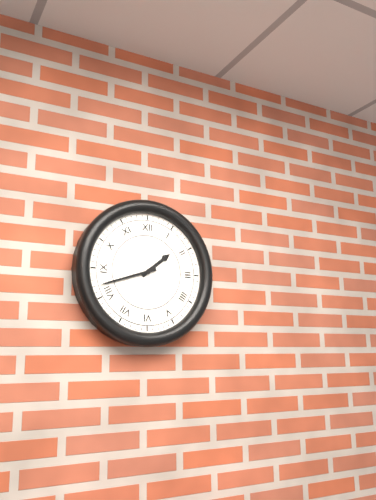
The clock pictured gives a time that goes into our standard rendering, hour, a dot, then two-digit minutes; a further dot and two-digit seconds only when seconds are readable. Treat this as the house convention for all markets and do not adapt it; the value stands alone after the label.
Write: 1.42
